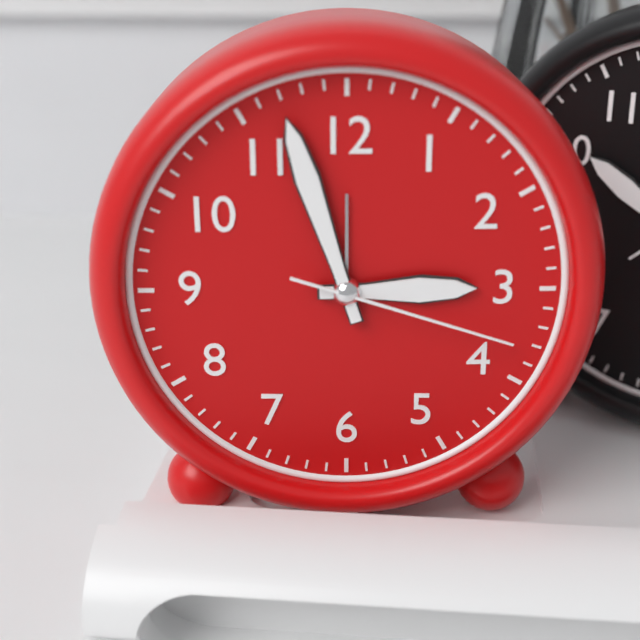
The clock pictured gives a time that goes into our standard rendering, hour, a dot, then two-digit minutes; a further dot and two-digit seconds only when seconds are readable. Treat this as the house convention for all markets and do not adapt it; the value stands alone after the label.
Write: 2.57.18
